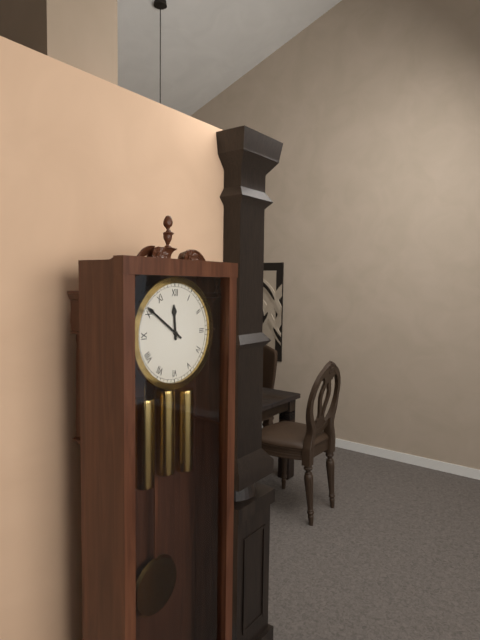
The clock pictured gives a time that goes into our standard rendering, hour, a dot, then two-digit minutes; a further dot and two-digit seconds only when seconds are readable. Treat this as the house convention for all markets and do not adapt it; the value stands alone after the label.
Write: 11.51
